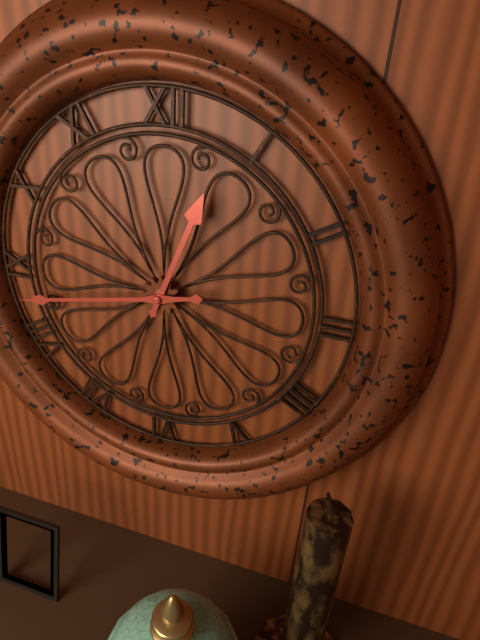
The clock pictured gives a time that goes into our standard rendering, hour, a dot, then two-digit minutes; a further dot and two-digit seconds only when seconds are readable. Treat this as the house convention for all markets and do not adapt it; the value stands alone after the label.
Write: 12.43
